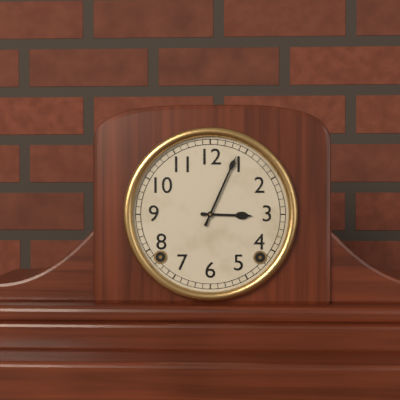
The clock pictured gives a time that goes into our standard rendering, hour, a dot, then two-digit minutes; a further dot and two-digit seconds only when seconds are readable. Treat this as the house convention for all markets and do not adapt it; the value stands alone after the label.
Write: 3.04
